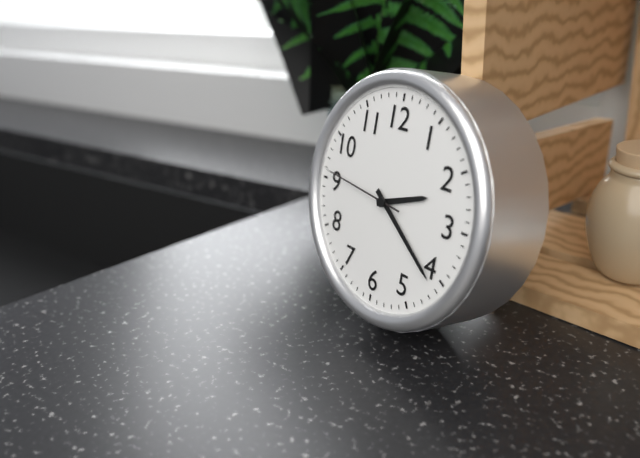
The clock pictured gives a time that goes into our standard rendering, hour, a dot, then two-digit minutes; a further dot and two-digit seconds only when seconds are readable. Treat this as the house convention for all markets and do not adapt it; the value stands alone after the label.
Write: 2.21.46
